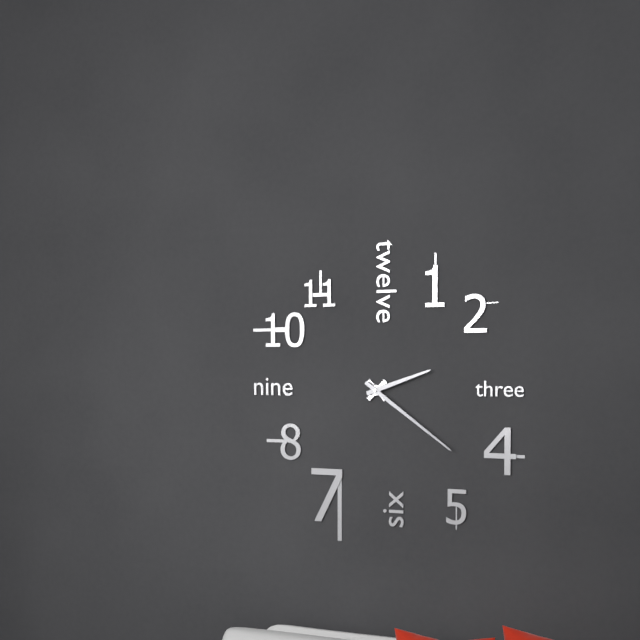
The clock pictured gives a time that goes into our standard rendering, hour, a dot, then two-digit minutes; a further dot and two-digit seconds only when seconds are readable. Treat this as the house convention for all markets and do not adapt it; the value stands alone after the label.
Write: 2.21
